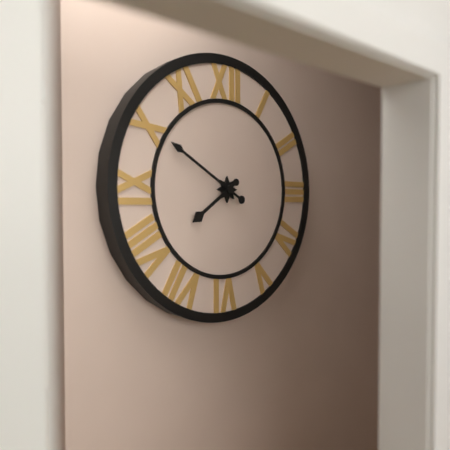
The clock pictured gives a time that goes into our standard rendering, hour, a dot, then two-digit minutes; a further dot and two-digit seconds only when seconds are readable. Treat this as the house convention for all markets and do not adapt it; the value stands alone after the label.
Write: 7.50
